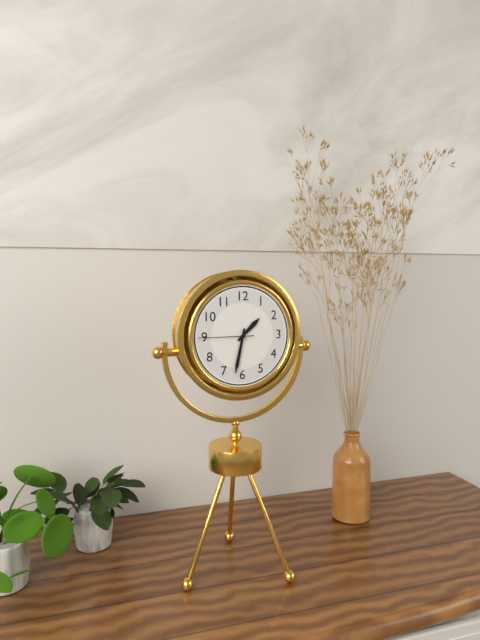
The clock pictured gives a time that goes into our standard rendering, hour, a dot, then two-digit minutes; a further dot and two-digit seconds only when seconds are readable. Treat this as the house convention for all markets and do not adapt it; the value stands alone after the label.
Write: 1.32.45
